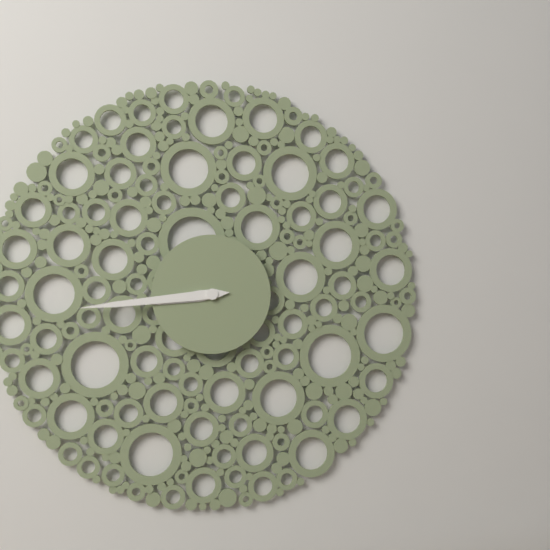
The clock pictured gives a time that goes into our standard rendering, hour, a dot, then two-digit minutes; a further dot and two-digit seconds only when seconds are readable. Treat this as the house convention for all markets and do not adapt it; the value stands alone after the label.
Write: 8.44
